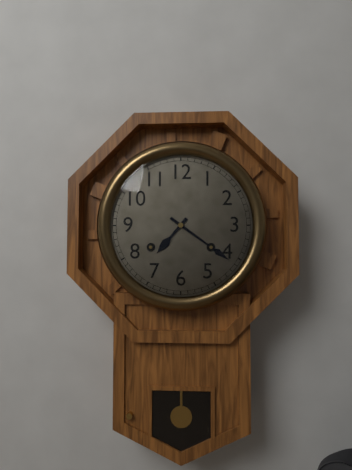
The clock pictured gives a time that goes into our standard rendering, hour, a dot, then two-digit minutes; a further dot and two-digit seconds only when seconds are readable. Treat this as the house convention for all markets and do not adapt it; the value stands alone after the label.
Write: 7.21
